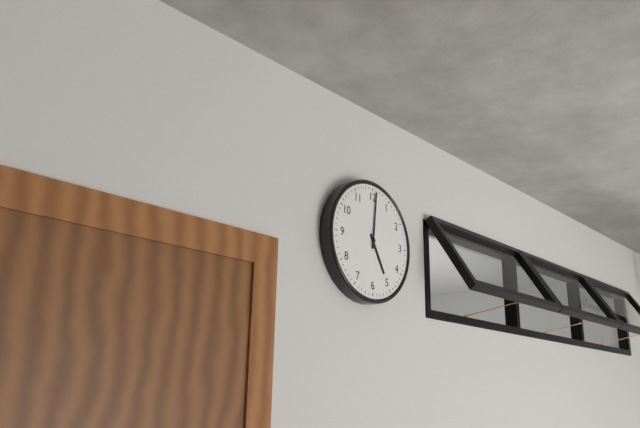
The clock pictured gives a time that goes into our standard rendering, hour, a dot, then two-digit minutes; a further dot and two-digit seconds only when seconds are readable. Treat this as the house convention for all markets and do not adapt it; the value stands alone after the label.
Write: 5.01
